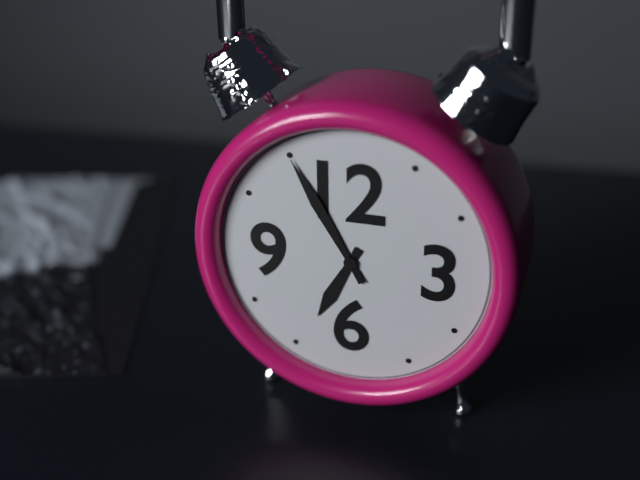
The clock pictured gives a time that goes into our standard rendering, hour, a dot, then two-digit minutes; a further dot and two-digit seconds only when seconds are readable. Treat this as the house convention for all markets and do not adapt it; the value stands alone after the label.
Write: 6.55
